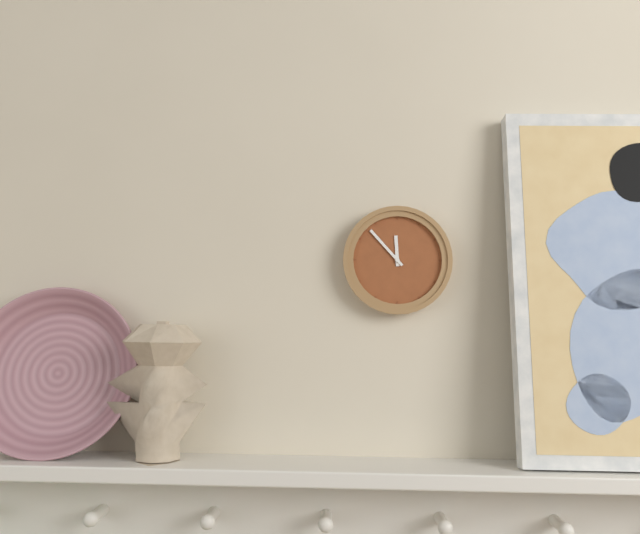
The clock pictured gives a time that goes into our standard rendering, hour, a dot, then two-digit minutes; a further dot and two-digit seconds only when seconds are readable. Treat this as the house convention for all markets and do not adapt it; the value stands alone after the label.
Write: 11.53
